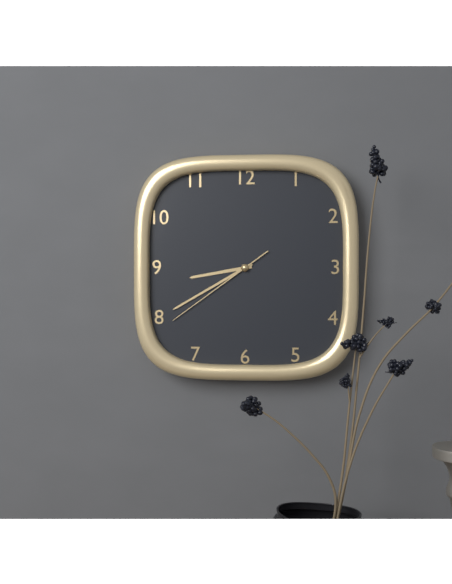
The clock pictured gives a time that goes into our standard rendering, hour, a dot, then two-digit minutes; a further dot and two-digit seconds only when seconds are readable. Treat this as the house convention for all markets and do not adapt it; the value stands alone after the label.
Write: 8.40.39
